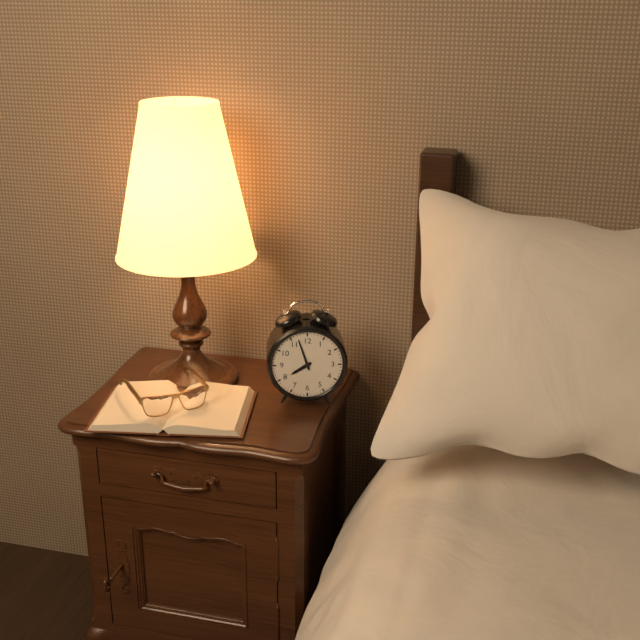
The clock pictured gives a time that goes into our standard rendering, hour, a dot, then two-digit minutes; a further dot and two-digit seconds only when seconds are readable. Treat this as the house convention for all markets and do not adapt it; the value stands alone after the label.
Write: 7.57
